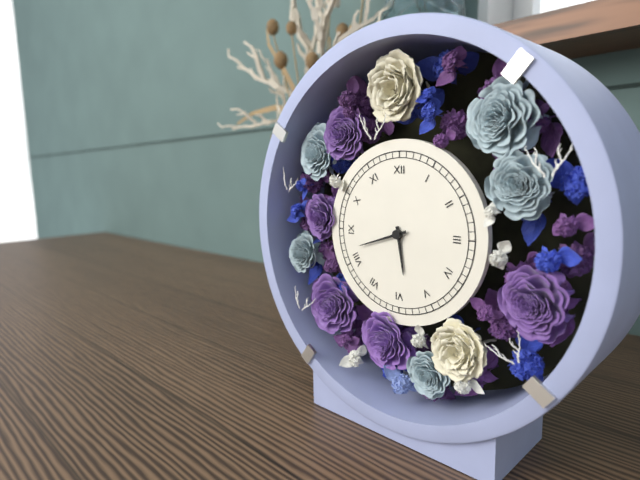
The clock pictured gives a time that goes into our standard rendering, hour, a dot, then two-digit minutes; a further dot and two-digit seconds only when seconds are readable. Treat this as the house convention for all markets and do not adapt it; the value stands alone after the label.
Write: 5.42
